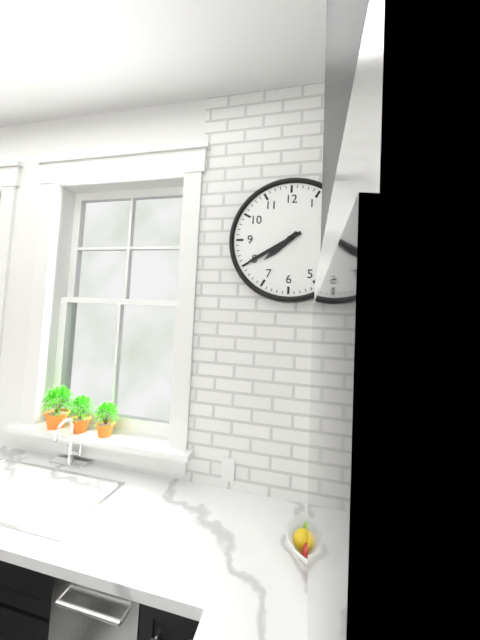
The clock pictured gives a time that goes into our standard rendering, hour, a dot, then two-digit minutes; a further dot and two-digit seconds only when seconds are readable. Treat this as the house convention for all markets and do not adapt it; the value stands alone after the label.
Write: 7.40
